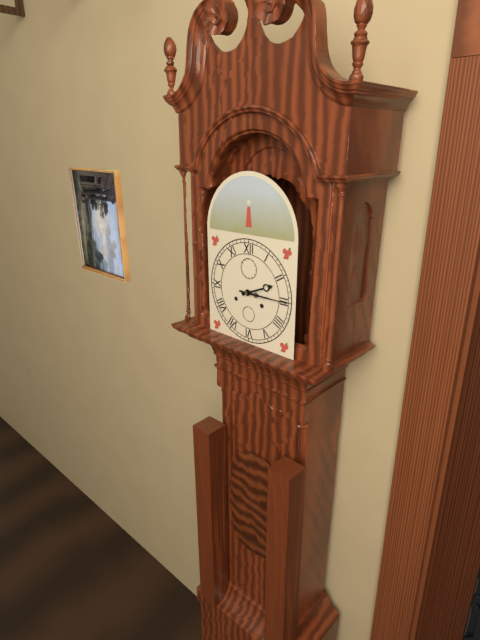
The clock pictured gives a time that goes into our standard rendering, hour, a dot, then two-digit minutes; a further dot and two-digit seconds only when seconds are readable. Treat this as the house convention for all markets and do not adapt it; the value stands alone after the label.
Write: 2.15
